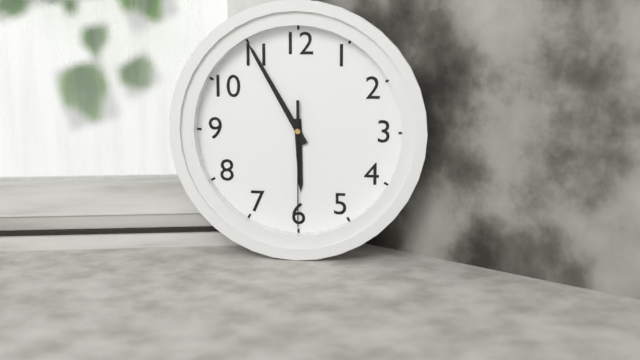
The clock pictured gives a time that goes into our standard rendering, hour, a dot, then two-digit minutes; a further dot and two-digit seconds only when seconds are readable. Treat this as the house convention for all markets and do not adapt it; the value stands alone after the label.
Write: 5.55.30
